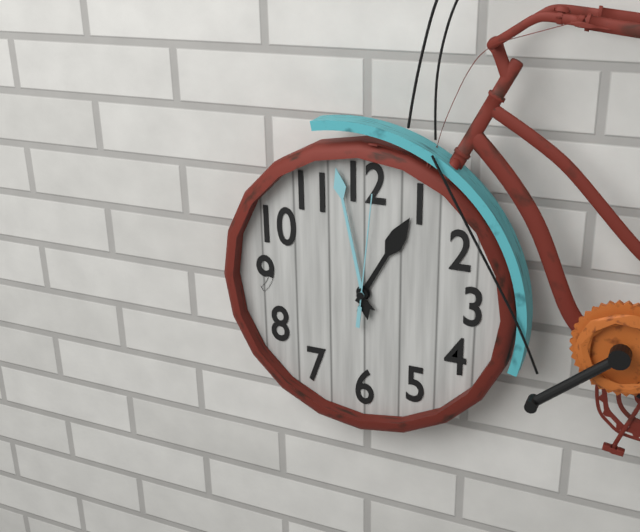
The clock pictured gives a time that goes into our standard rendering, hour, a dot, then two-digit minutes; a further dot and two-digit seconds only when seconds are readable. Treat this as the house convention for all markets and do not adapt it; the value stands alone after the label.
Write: 12.58.01
